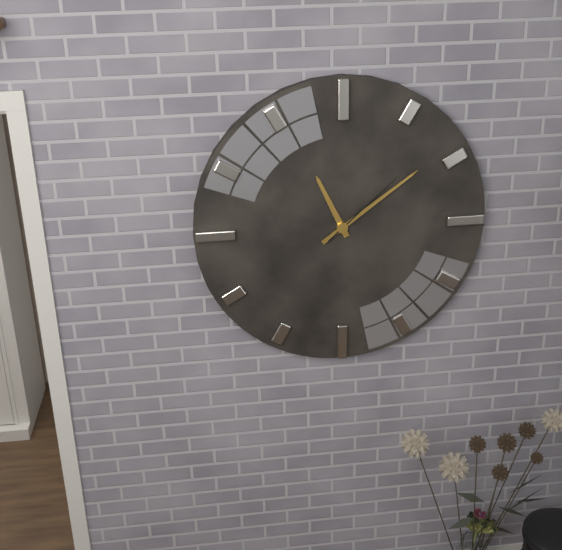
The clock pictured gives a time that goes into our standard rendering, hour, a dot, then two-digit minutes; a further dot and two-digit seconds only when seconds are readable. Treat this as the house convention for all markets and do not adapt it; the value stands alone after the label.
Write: 11.09.08
